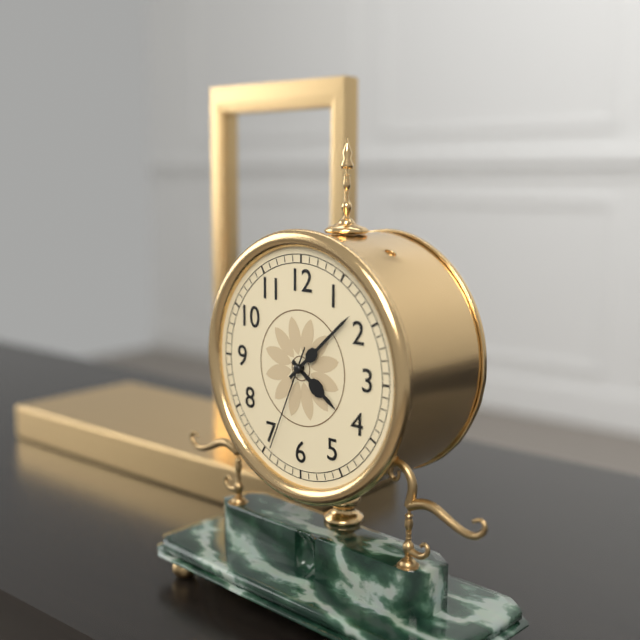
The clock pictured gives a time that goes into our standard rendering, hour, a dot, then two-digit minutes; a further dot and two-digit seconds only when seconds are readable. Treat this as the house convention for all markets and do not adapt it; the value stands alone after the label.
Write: 4.08.34
